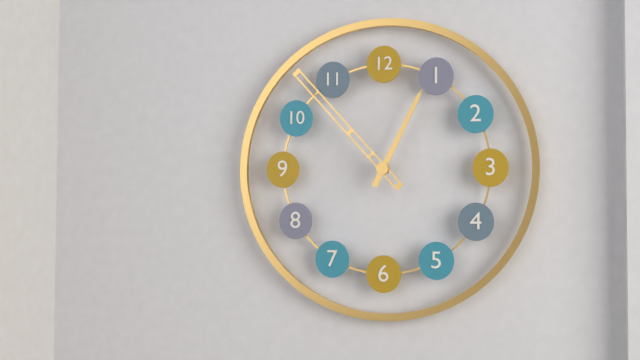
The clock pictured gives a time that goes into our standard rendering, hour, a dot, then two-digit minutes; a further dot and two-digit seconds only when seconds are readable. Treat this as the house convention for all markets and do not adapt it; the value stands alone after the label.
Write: 12.53
